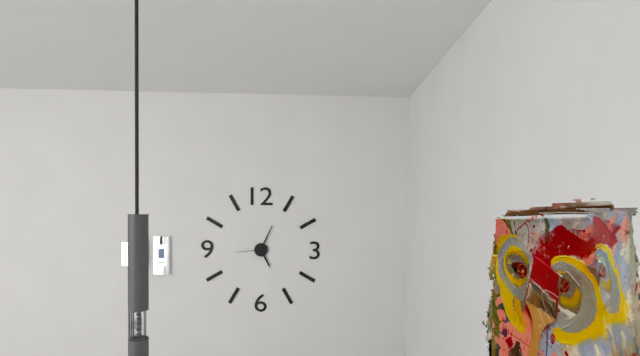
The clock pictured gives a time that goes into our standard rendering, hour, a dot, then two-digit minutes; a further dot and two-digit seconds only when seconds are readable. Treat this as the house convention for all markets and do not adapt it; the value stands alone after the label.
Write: 5.04
